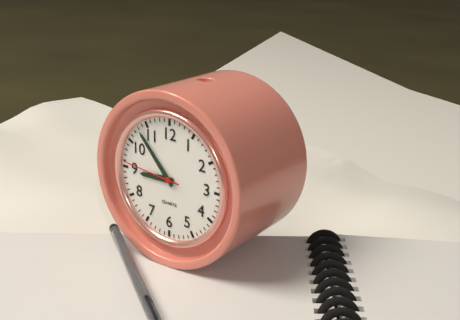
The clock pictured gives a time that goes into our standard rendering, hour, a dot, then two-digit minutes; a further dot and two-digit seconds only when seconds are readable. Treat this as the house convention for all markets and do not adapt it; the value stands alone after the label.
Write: 8.53.46
